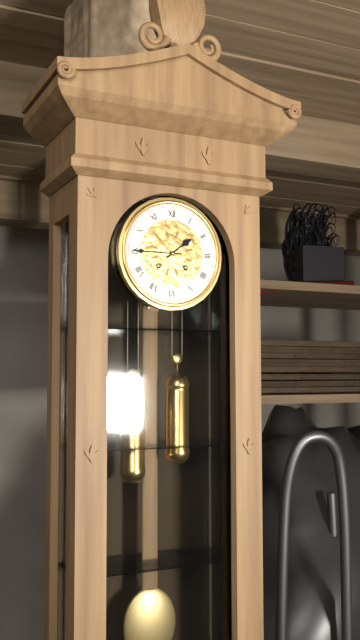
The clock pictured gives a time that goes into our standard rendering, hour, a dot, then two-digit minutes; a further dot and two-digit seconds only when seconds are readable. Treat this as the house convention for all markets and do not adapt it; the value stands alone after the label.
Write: 1.45
